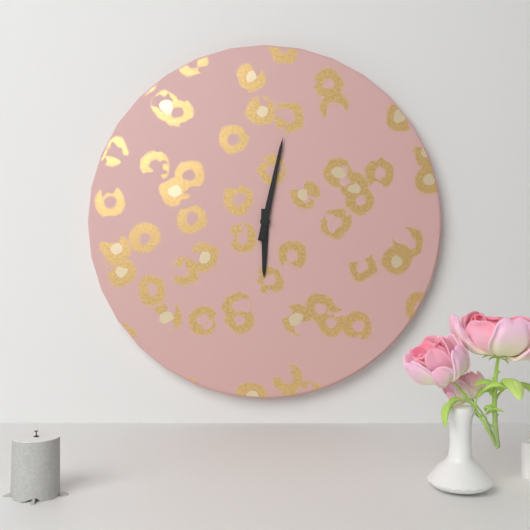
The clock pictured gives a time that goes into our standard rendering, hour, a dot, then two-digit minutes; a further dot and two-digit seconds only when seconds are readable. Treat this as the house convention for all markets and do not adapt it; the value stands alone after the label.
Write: 6.02
